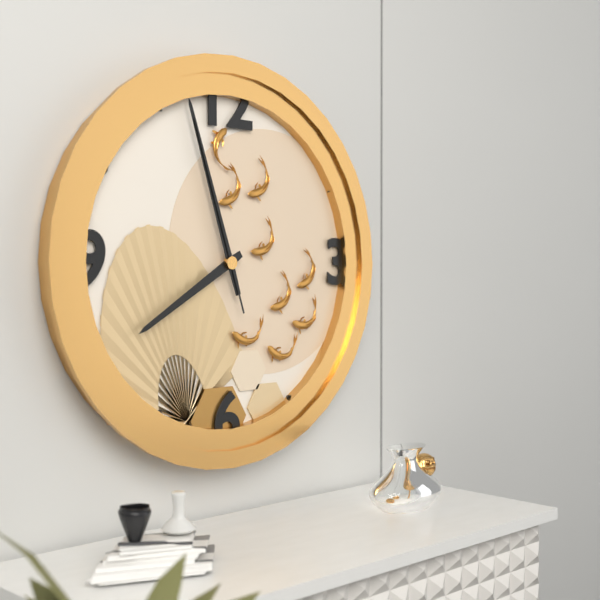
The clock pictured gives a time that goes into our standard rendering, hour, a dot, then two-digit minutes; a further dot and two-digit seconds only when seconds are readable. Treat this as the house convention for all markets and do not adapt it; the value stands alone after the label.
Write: 7.57.57
